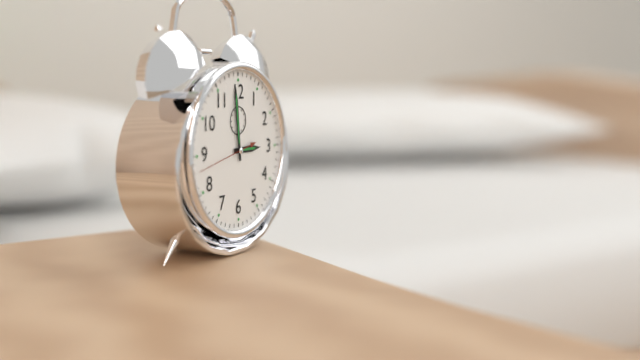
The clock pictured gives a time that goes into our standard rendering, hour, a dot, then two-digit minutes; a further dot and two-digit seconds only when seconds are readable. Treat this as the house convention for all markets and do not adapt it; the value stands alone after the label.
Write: 2.59.43
